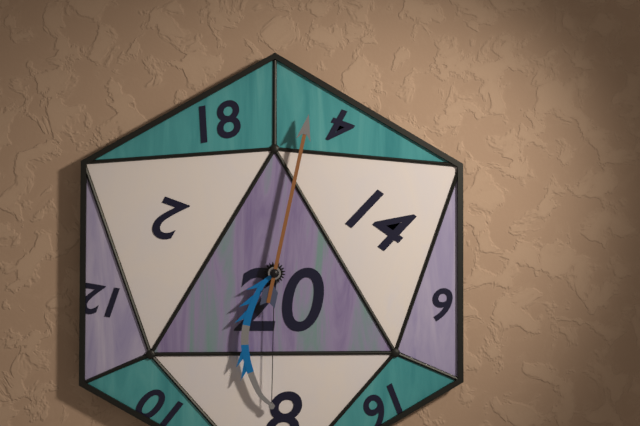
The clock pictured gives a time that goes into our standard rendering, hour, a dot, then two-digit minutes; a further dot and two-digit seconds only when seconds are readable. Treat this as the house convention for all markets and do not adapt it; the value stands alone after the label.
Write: 6.02
